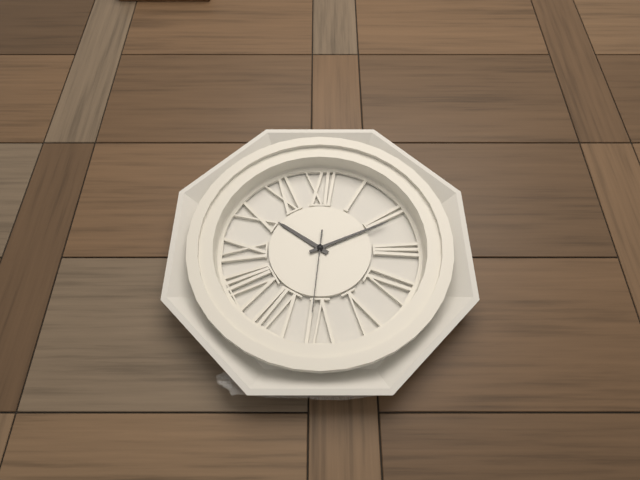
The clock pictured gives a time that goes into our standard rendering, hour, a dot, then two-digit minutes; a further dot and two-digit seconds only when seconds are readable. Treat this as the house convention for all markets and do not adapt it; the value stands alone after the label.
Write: 10.11.31
